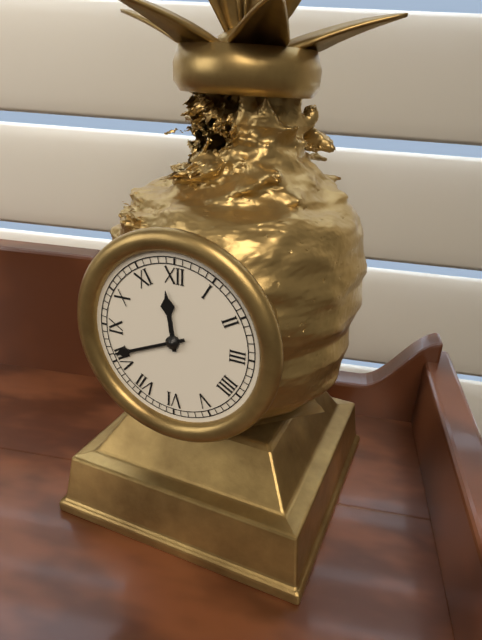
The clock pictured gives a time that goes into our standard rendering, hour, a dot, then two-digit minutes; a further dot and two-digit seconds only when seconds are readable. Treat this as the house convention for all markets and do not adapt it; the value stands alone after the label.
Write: 11.41
